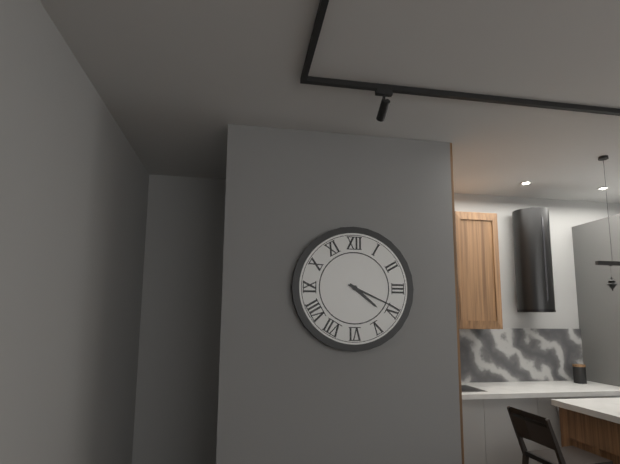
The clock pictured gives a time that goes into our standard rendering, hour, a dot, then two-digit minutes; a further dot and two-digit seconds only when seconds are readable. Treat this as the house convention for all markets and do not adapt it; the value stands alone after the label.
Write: 4.19
